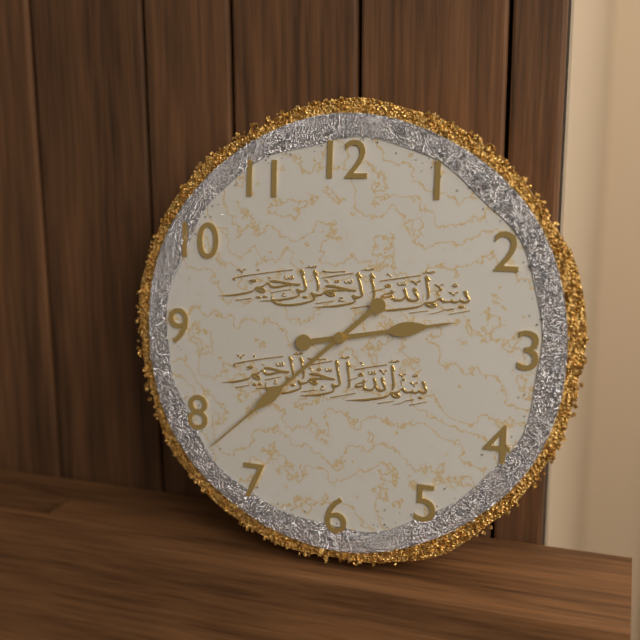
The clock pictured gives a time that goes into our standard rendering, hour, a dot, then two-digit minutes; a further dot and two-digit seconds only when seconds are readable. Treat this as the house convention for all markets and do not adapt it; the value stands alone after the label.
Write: 2.38
